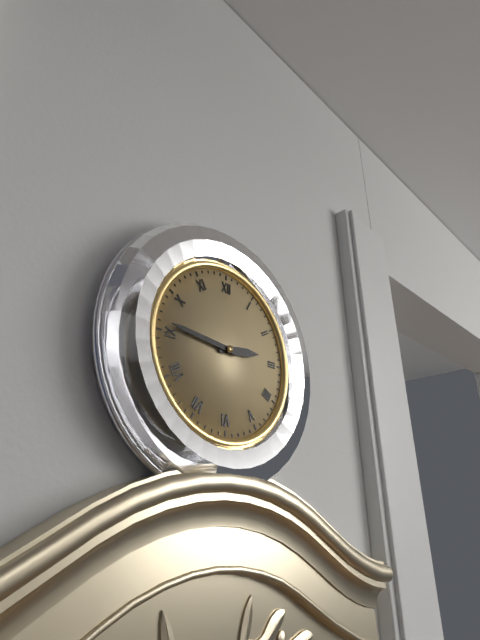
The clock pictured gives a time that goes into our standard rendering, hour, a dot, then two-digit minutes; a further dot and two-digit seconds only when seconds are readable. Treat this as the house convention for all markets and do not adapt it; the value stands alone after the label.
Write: 2.46
